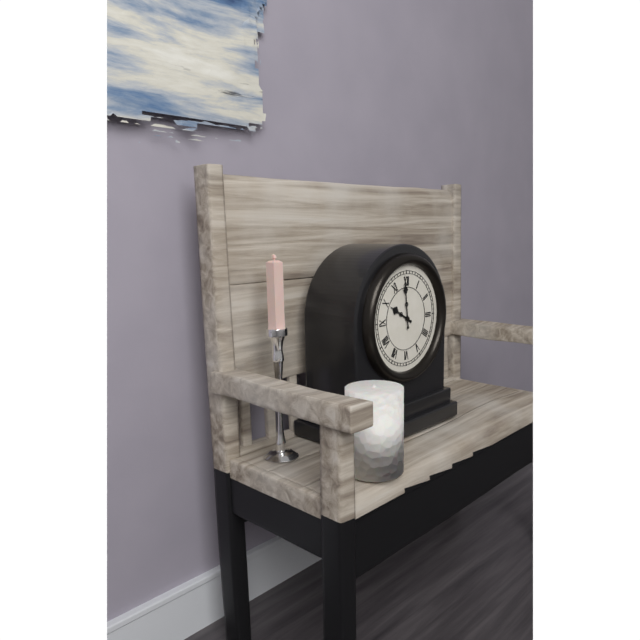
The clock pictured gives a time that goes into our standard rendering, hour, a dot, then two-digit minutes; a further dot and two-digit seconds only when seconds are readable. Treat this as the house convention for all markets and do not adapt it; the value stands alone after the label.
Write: 9.59
